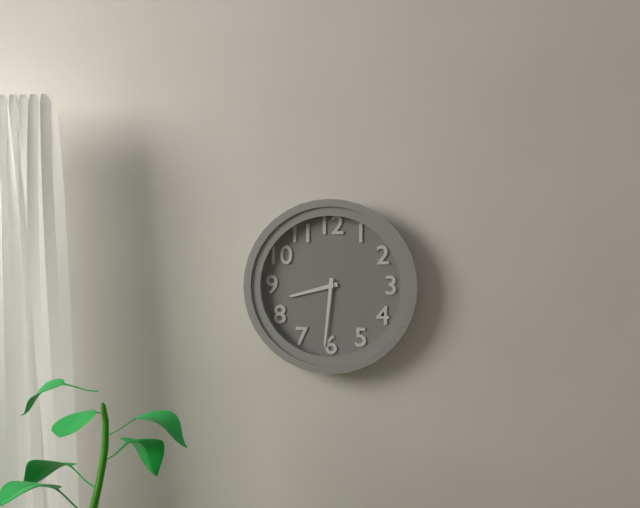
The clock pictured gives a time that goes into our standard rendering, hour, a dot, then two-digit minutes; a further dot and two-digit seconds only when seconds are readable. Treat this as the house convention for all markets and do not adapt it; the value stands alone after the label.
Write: 8.31
